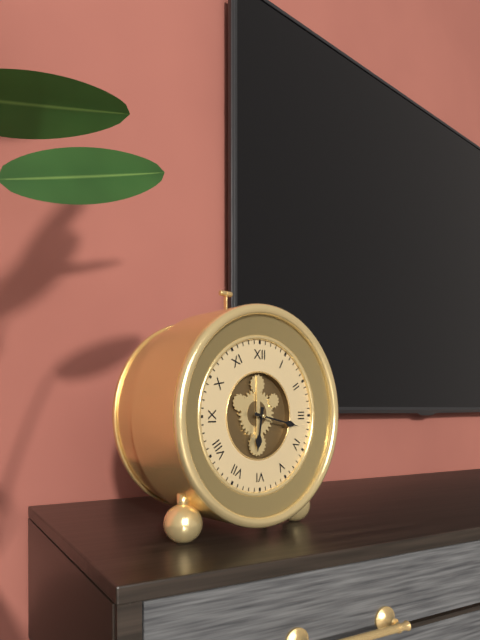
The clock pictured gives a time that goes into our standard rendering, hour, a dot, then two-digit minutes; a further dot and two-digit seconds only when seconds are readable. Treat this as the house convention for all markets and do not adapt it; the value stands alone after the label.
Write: 6.17
